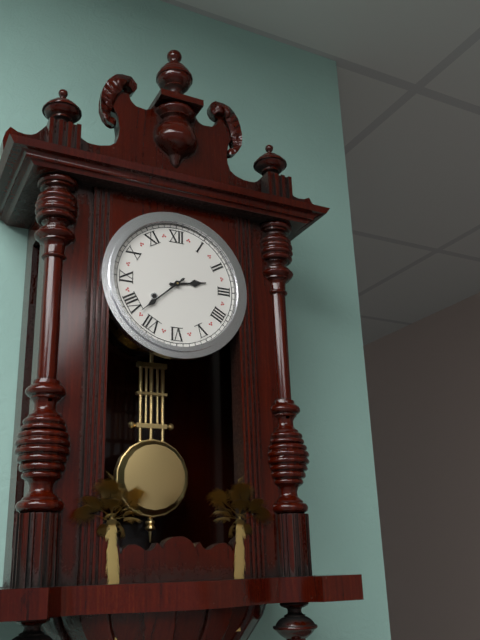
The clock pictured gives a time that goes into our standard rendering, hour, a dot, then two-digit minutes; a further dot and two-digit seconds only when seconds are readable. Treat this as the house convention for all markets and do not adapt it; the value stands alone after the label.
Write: 2.38
